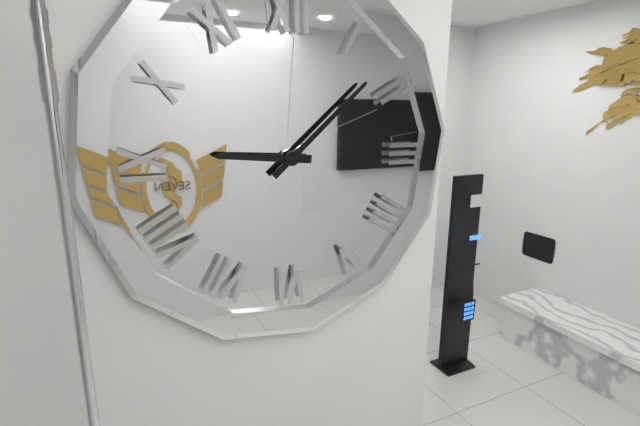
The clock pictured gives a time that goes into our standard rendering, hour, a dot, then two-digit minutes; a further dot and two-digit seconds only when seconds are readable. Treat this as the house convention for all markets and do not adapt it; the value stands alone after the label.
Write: 9.08
